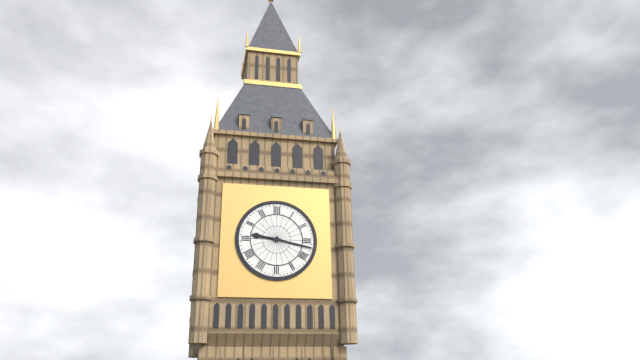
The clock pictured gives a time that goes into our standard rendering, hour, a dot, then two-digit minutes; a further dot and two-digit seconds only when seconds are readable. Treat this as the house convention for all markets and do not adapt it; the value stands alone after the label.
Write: 9.17
